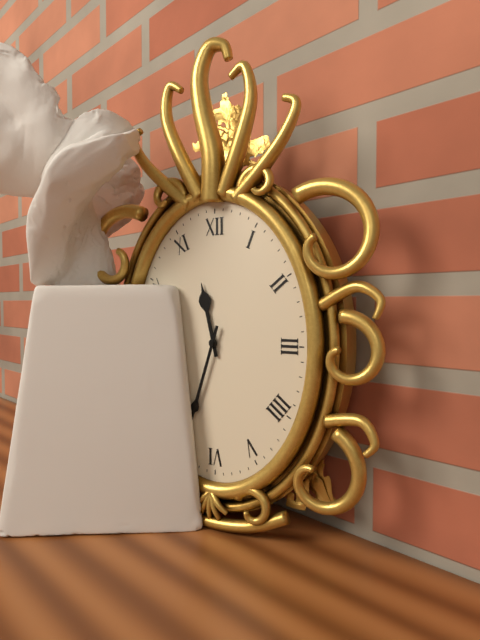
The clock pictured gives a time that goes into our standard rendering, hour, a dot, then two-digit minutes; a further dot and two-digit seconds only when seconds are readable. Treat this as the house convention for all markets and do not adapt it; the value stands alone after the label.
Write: 11.33
